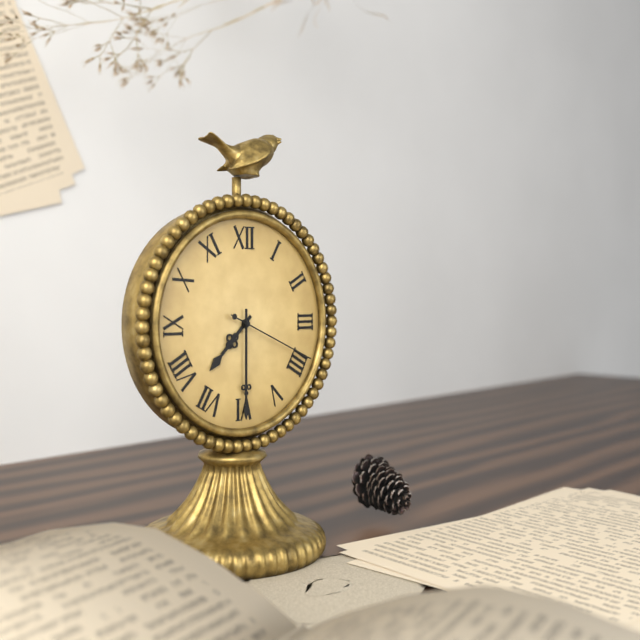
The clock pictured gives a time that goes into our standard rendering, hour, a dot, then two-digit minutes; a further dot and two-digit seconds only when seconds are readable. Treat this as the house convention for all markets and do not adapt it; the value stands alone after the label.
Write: 7.30.19
